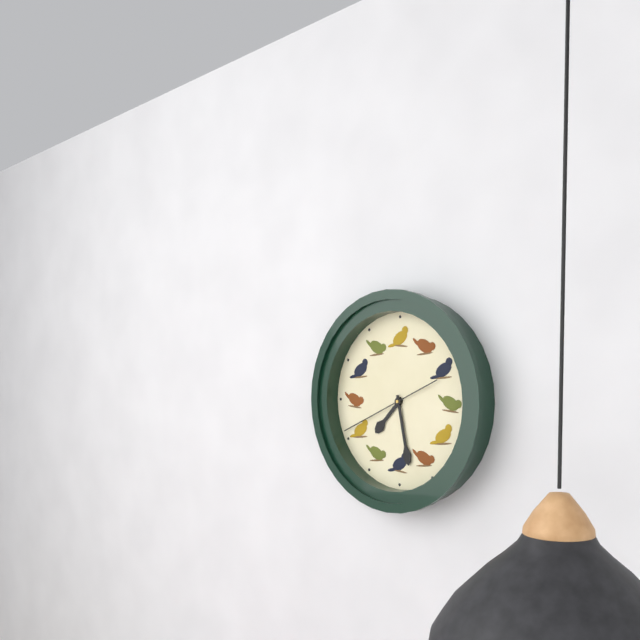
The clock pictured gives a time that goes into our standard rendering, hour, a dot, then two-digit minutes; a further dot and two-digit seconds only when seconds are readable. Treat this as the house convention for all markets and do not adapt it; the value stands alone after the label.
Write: 7.28.41
